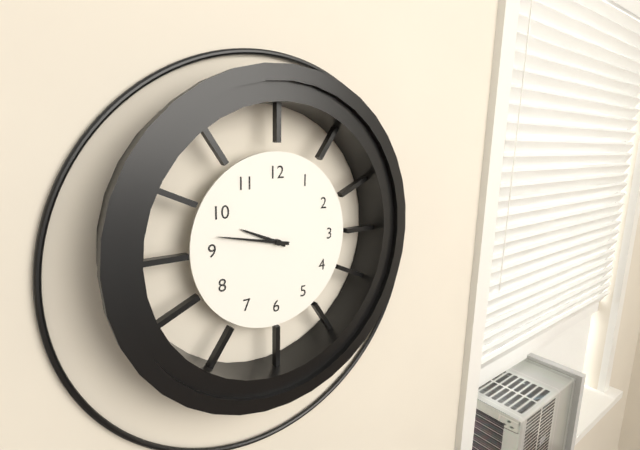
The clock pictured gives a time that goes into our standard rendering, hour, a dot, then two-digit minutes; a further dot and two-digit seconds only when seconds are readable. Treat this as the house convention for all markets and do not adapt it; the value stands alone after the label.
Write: 9.47
